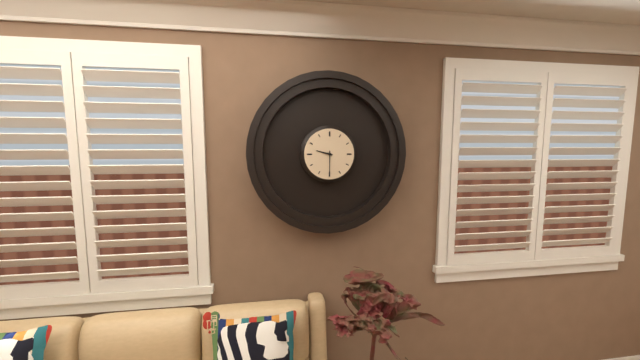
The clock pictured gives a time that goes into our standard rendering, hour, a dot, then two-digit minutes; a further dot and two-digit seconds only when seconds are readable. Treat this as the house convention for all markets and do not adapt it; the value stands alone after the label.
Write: 9.30
